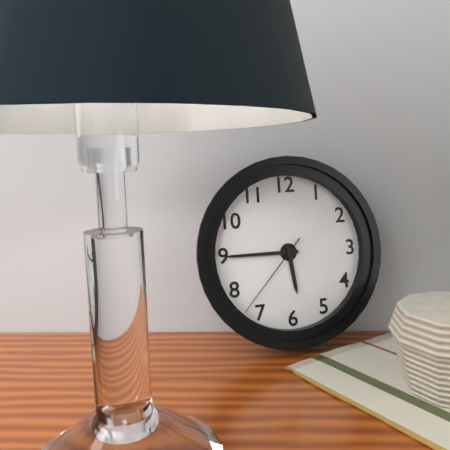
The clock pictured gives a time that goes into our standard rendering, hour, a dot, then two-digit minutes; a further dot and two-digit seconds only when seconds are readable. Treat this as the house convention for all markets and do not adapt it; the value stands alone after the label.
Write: 5.45.37
